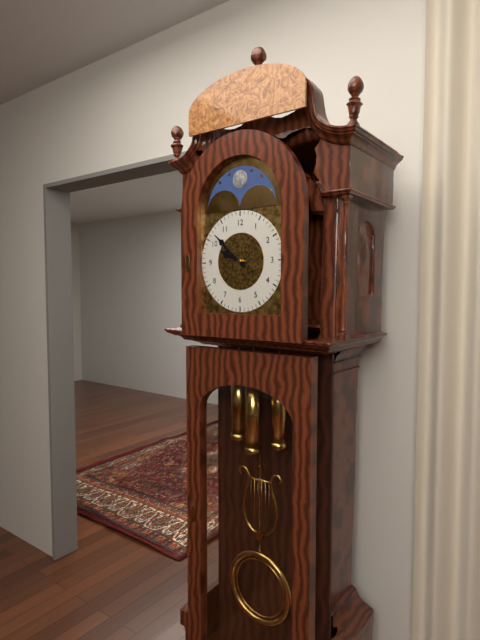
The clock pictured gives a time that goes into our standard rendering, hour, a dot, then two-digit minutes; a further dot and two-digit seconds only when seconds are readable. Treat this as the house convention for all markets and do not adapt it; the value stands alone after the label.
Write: 9.52
